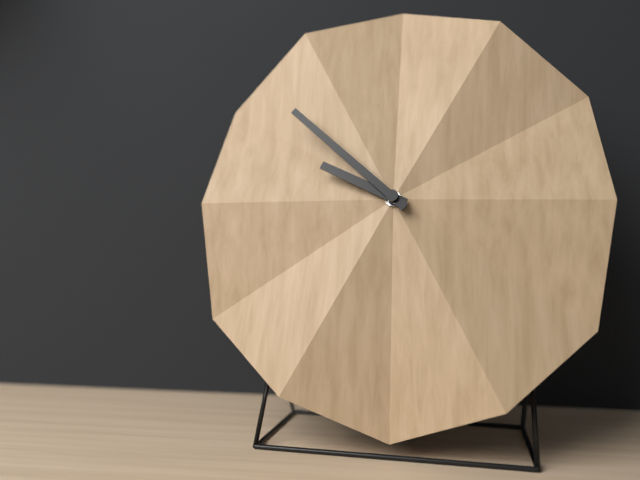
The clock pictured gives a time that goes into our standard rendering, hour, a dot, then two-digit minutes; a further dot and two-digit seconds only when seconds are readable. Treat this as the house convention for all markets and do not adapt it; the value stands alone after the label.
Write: 9.52
